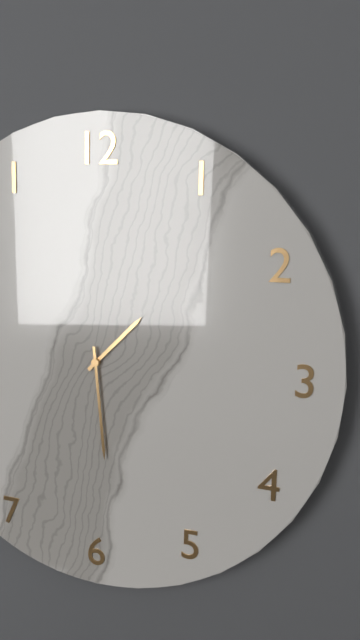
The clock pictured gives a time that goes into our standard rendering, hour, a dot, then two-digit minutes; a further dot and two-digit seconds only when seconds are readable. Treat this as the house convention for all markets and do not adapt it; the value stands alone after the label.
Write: 1.29
